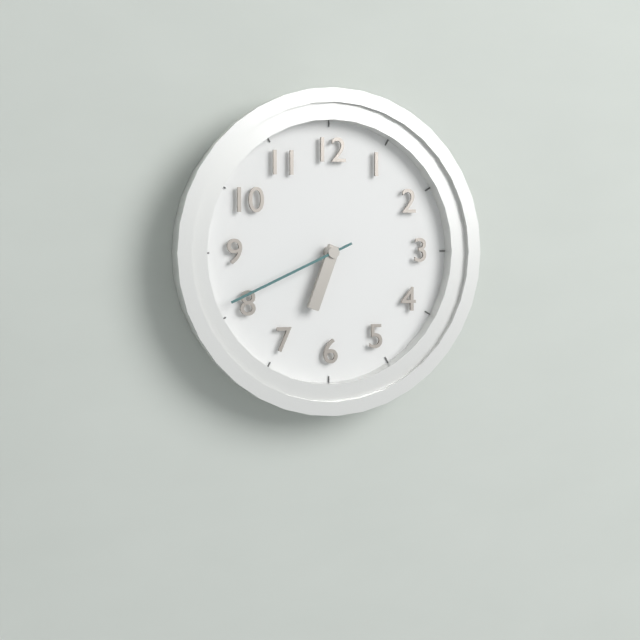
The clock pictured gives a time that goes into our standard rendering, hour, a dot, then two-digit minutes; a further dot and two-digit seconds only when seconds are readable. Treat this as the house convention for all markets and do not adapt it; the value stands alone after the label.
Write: 6.41
